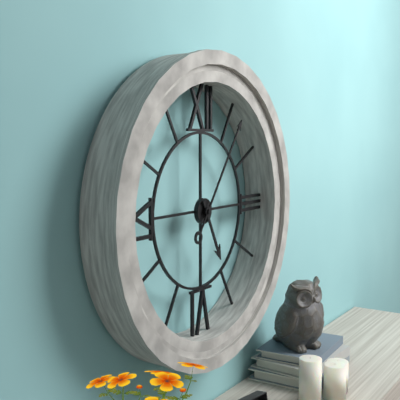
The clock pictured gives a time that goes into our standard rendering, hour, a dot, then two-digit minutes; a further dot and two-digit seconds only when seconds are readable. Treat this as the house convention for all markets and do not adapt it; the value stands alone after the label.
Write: 5.06
